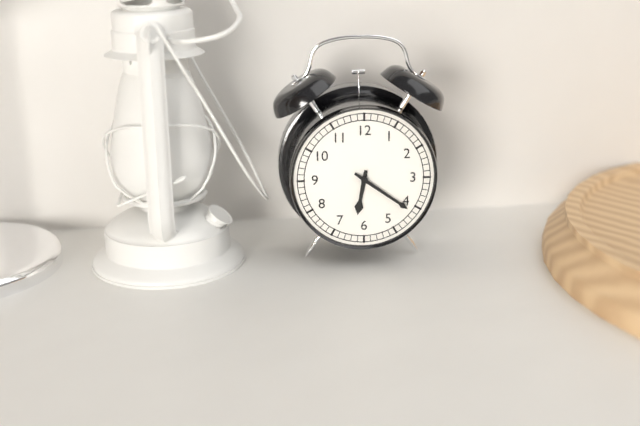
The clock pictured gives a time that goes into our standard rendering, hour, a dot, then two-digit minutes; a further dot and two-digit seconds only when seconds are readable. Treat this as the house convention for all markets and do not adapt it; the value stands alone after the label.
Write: 6.21
